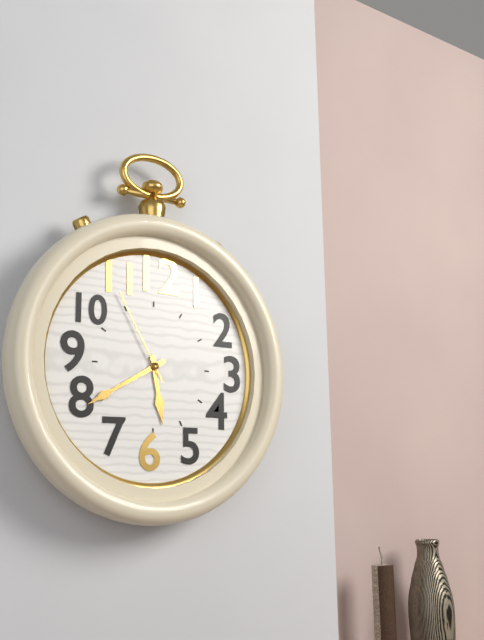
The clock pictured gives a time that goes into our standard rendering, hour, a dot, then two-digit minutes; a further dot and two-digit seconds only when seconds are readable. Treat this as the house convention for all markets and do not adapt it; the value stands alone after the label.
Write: 5.40.55
